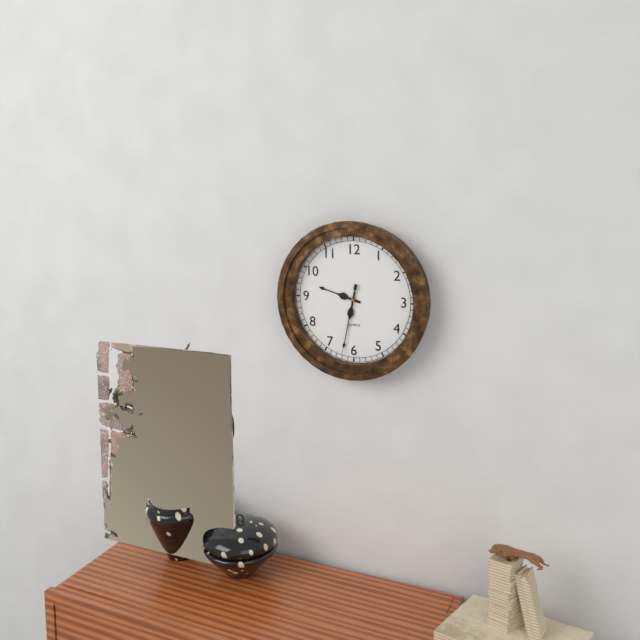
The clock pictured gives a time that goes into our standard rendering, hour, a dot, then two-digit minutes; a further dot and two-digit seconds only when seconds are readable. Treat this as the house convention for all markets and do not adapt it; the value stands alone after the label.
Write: 9.32.32
